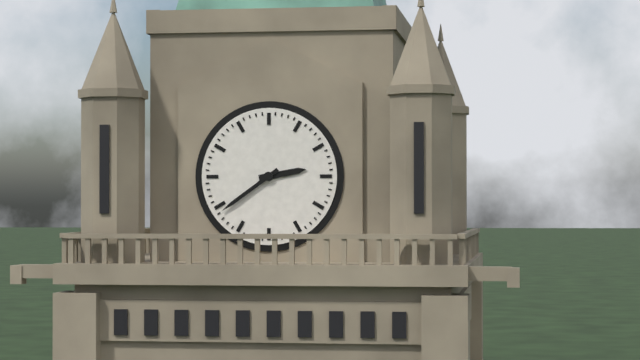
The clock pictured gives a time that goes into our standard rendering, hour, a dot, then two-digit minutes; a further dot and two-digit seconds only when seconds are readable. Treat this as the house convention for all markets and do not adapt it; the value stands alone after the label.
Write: 2.39
